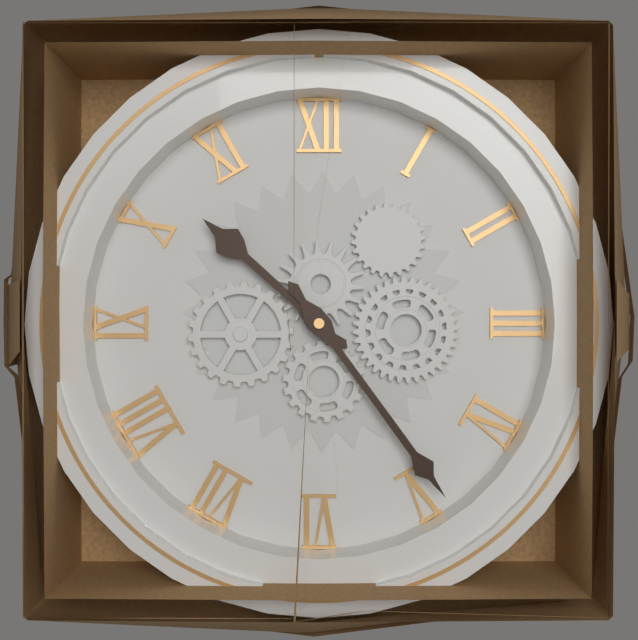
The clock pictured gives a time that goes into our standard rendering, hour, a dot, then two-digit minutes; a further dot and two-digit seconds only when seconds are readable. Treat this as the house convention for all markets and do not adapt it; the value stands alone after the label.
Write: 10.24
